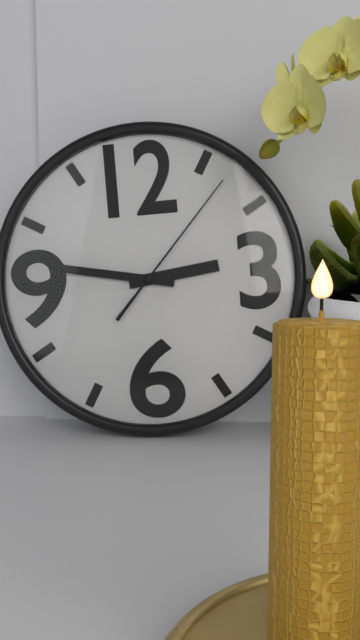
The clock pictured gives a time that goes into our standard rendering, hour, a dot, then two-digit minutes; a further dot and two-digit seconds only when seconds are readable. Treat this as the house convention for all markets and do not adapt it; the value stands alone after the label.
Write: 2.47.07
